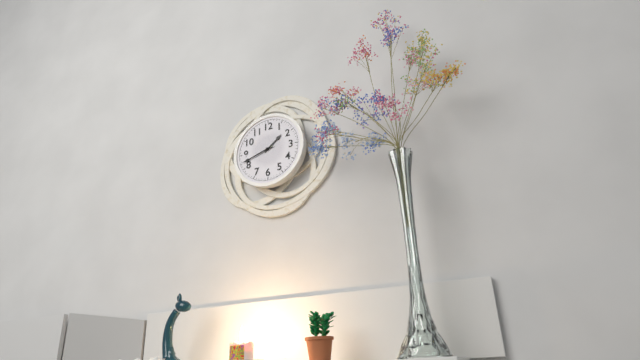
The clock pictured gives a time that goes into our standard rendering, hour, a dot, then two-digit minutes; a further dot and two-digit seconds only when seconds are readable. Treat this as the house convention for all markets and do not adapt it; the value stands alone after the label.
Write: 1.42
